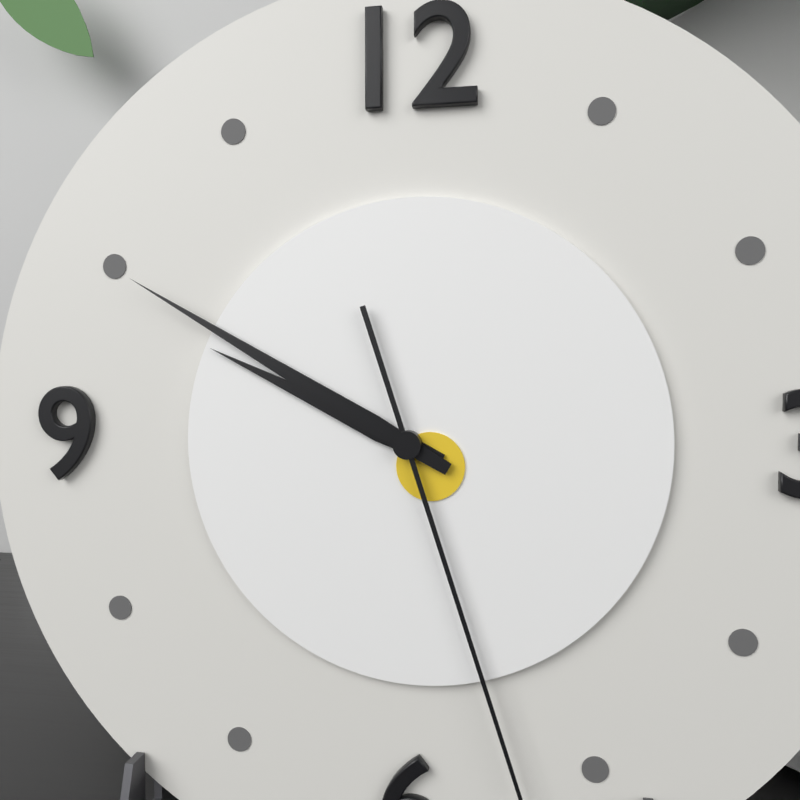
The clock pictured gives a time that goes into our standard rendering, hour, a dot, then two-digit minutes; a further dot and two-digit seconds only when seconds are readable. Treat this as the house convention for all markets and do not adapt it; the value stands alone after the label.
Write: 9.50
